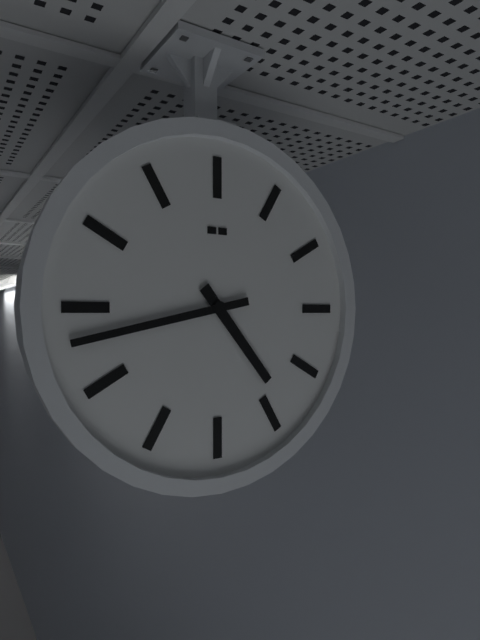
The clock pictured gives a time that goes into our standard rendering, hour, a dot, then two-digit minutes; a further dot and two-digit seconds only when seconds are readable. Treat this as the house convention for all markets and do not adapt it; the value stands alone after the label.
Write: 4.43
